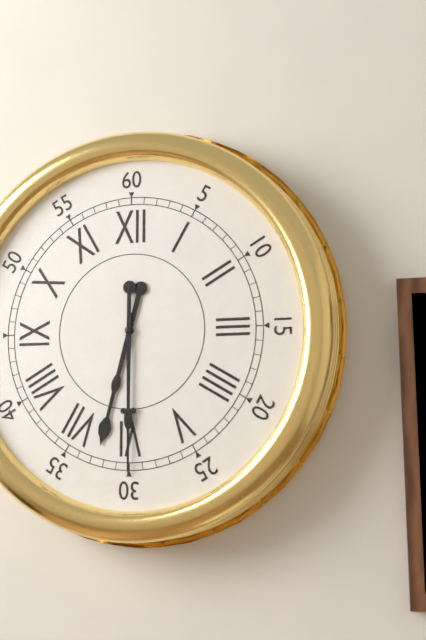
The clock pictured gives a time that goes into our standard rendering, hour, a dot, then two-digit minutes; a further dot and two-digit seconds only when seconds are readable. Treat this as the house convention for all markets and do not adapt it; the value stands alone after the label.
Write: 6.30
